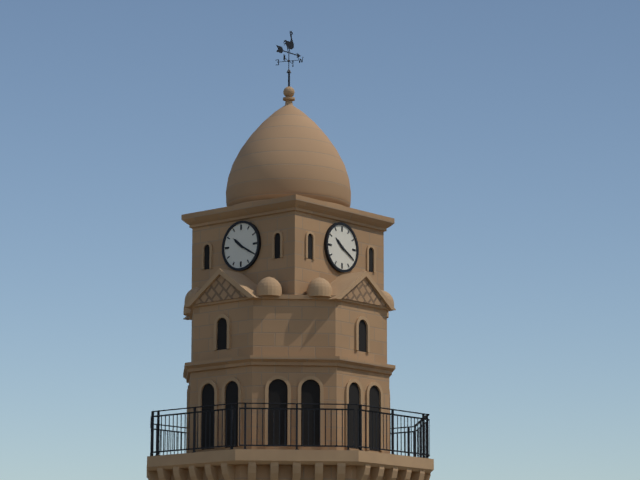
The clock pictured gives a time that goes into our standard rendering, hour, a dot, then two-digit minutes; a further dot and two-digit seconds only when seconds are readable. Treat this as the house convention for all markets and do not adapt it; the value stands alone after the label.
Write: 10.20
